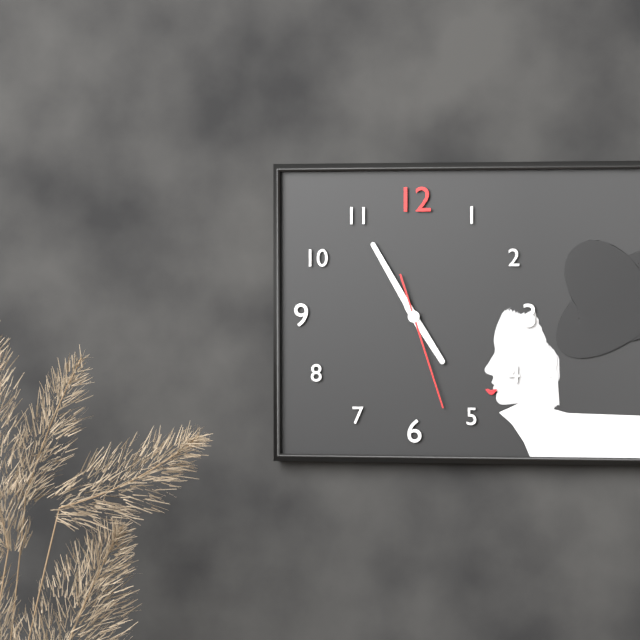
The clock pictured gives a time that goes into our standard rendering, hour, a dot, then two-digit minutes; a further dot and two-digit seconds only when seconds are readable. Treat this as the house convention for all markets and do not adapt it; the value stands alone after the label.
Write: 4.55.27
